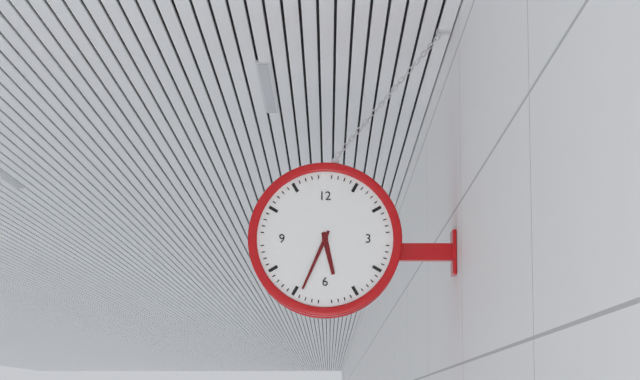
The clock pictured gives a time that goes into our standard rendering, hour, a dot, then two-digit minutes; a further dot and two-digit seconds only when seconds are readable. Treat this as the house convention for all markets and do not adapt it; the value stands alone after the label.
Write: 5.34
